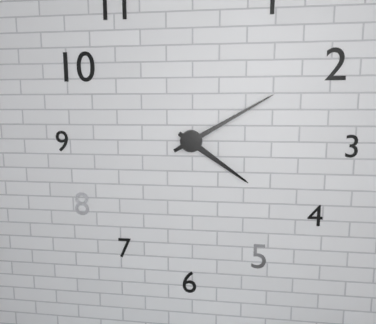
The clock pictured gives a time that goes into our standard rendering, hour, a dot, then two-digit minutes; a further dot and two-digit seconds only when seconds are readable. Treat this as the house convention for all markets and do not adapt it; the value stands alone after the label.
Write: 4.10
